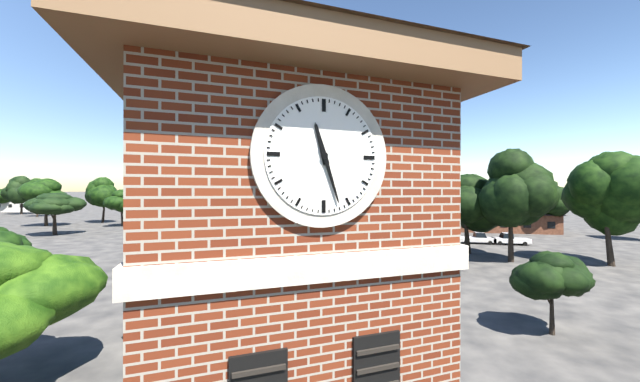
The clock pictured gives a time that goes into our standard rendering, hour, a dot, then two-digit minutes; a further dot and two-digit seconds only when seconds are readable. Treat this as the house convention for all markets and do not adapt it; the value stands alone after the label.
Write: 11.27
